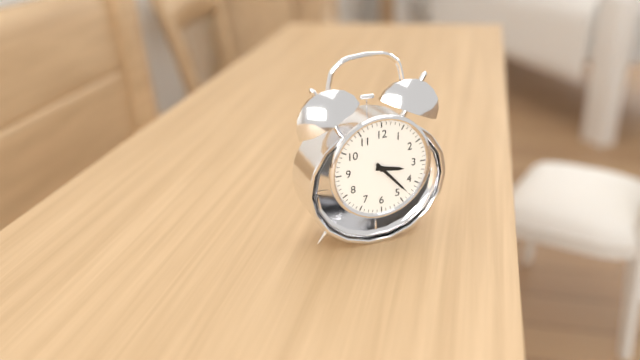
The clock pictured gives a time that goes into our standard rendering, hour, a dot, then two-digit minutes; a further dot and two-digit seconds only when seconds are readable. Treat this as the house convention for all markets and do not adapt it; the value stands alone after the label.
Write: 3.23
